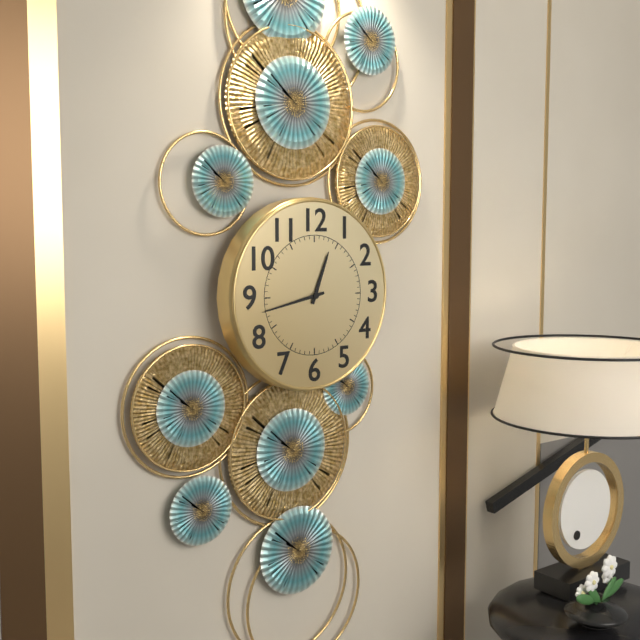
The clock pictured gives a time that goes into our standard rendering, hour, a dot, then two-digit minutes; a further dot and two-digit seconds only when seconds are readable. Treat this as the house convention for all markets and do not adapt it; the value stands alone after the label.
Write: 12.43
